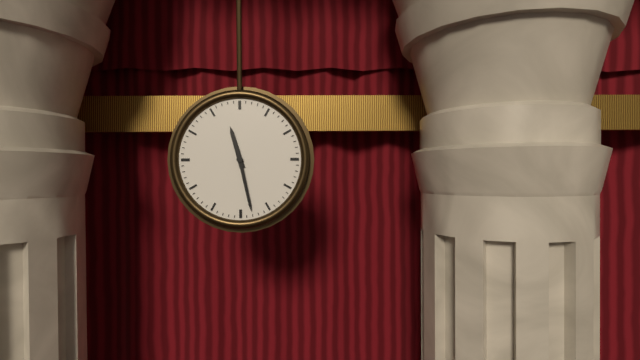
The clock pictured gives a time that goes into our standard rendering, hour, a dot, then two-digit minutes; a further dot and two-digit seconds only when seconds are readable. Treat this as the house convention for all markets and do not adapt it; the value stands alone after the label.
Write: 11.28
